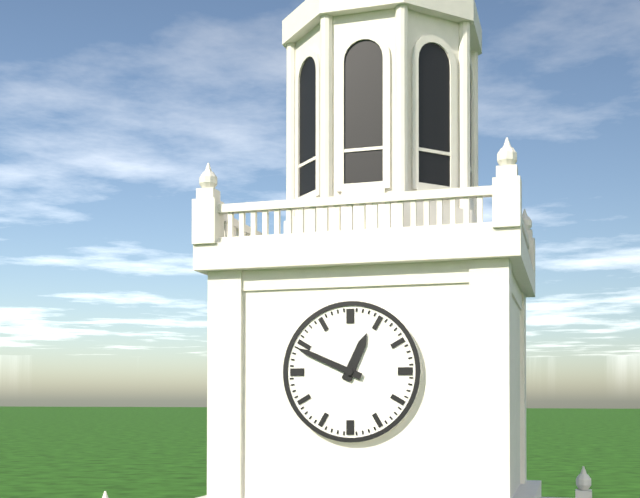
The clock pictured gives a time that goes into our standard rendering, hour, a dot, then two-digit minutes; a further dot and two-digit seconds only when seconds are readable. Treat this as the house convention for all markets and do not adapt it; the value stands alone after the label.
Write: 12.49
